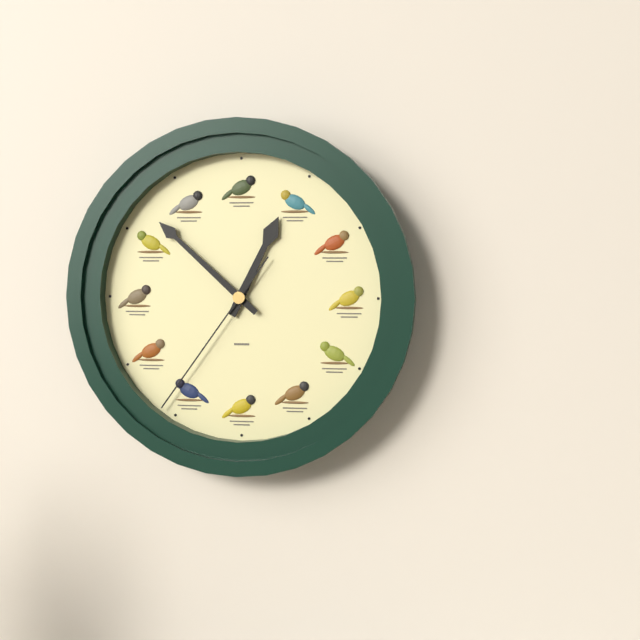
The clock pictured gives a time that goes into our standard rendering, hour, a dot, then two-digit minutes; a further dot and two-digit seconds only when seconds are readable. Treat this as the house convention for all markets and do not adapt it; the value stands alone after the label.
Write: 12.52.36
